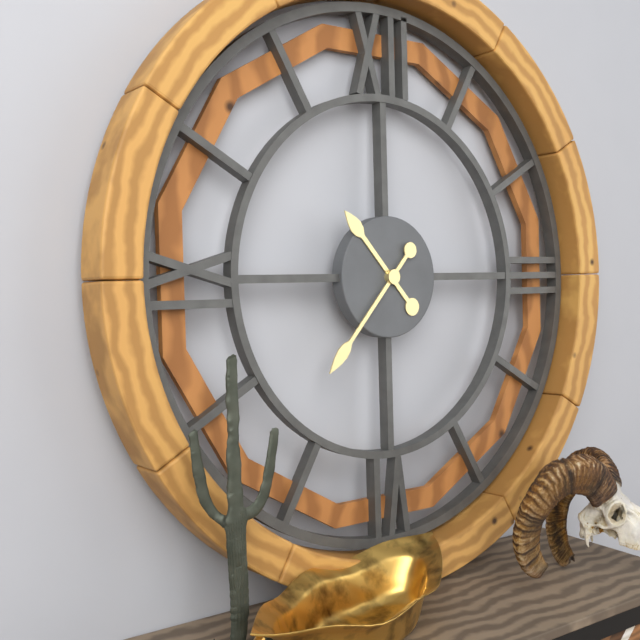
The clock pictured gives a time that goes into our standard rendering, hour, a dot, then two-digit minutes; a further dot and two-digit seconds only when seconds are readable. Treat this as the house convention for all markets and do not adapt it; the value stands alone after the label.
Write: 10.37
